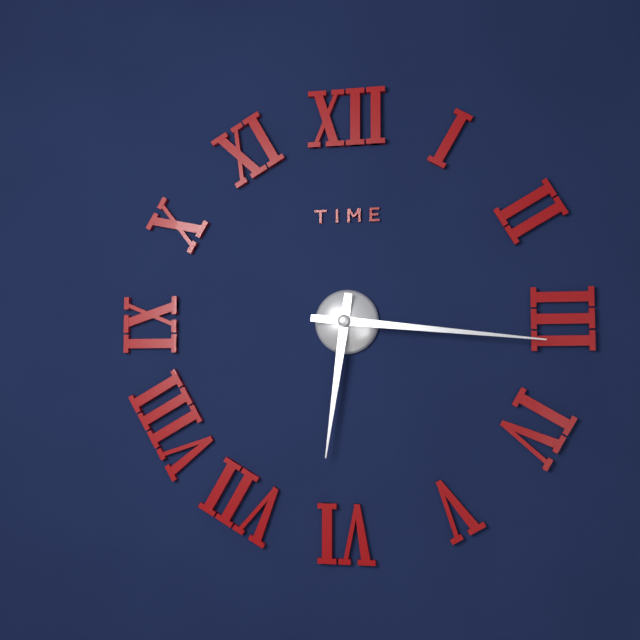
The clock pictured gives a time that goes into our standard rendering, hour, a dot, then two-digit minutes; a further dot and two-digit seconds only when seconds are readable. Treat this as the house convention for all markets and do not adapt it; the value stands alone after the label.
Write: 6.16
